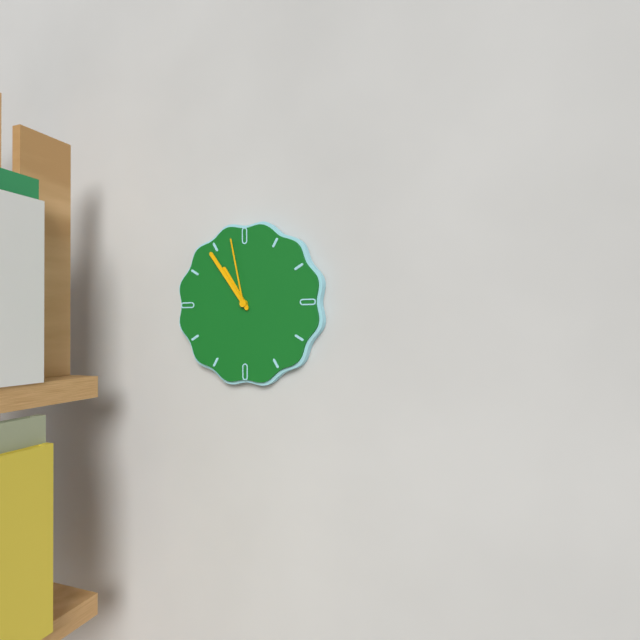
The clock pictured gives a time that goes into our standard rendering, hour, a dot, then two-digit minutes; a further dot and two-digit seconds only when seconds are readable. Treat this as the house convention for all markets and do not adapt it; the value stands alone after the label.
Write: 10.54.58
